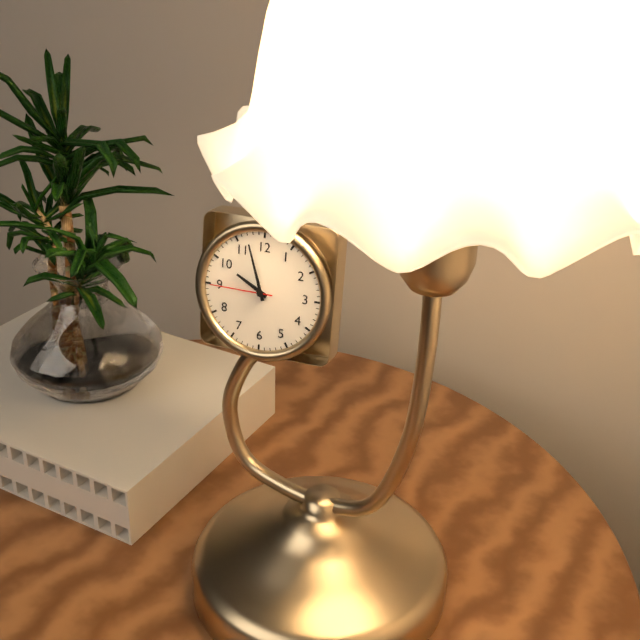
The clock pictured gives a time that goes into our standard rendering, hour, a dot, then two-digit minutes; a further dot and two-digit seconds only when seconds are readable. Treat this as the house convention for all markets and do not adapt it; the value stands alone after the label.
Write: 9.57.45
